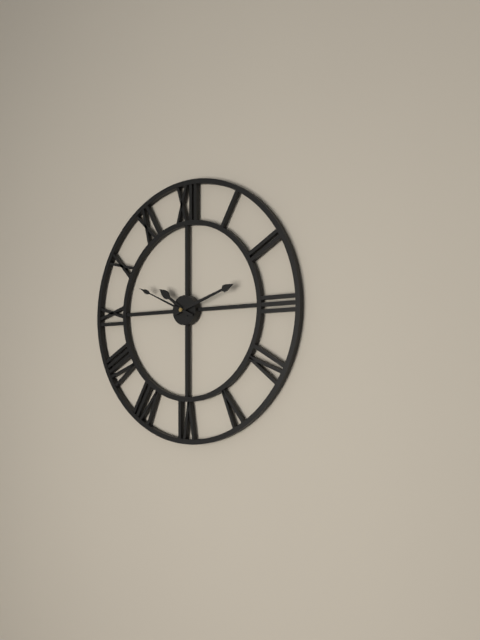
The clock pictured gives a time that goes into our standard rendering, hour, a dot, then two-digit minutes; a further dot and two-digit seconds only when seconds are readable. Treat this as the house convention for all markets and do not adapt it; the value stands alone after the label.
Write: 10.12.49
